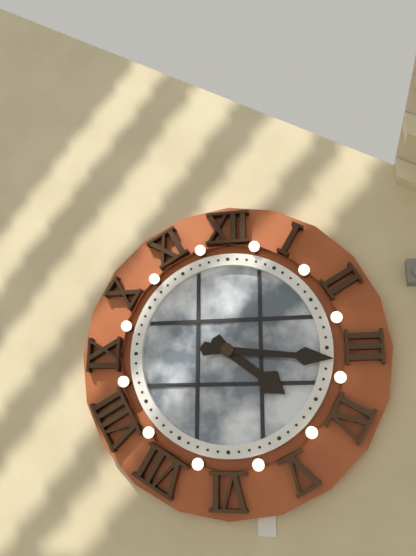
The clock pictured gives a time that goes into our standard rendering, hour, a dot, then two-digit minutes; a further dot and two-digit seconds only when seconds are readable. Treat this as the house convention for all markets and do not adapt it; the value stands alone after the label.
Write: 4.16
